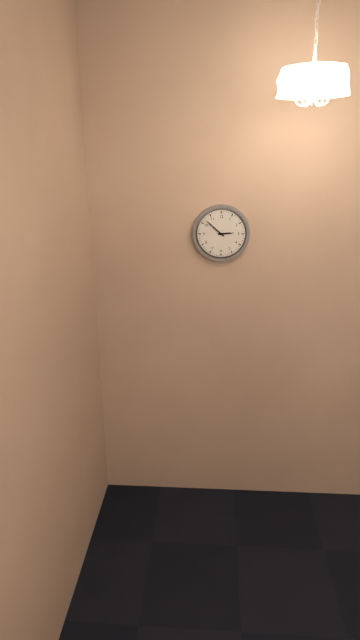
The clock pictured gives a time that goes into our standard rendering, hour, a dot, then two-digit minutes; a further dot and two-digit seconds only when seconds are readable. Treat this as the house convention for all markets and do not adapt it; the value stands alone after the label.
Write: 2.52
